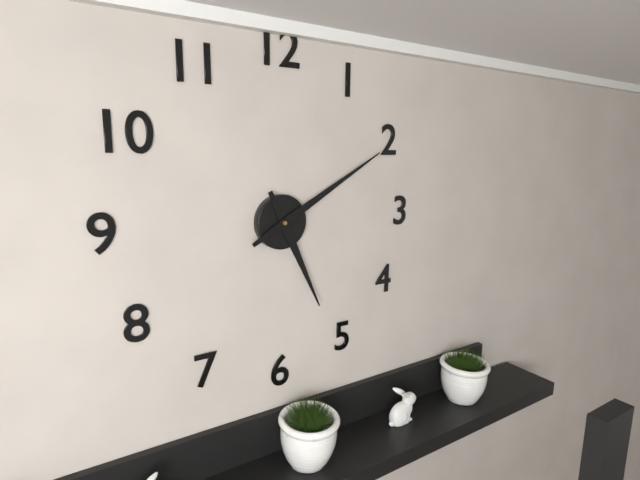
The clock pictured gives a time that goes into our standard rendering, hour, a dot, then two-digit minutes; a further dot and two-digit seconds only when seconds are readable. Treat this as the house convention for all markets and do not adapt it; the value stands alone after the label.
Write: 5.10
